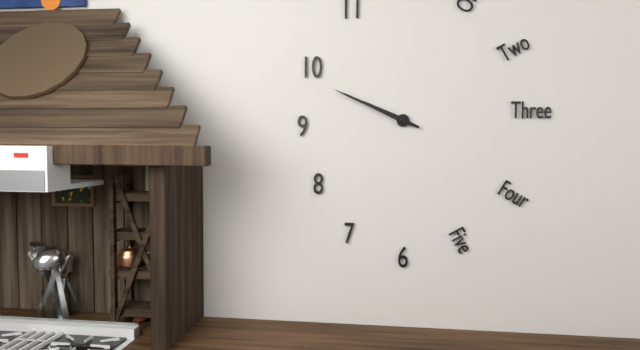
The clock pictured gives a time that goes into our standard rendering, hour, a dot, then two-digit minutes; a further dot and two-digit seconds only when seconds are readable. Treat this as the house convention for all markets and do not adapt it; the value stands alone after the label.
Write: 9.49
